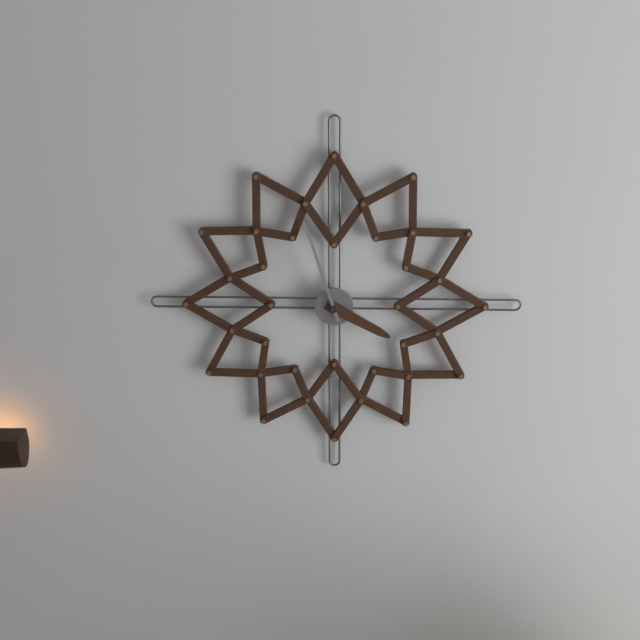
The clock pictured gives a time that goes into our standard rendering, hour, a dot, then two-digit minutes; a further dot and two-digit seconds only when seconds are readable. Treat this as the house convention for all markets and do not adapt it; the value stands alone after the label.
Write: 3.57
